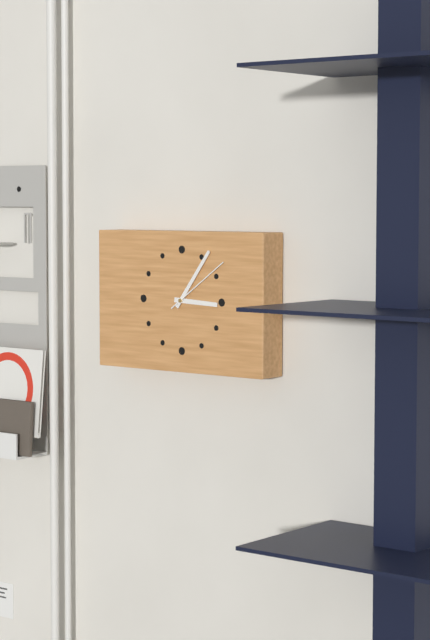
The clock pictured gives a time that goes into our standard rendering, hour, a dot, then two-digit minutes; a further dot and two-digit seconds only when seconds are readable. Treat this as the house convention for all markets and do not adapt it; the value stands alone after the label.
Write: 3.06.09
